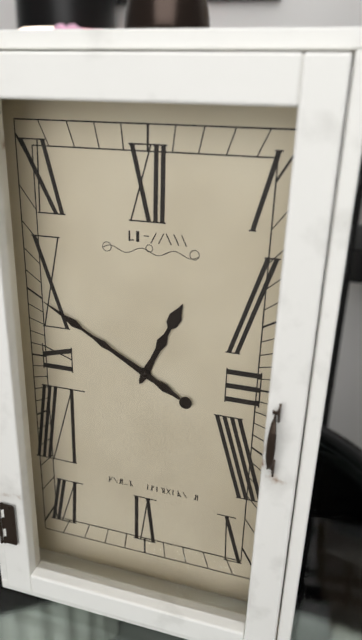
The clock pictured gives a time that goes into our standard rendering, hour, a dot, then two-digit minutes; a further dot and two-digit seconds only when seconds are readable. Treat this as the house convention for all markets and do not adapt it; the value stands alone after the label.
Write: 12.50
